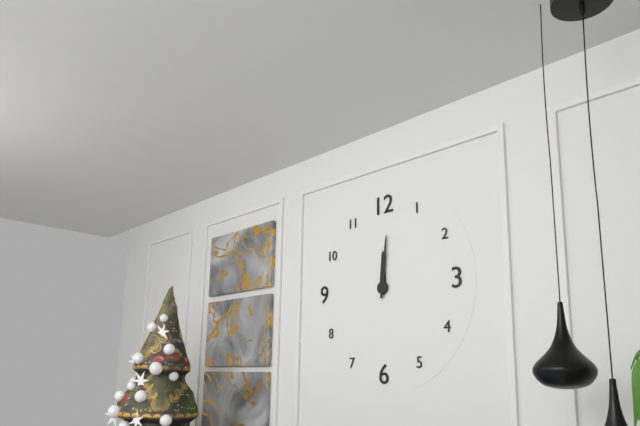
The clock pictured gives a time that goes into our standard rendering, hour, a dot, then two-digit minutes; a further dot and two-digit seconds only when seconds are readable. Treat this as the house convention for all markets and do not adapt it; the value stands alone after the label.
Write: 12.01
